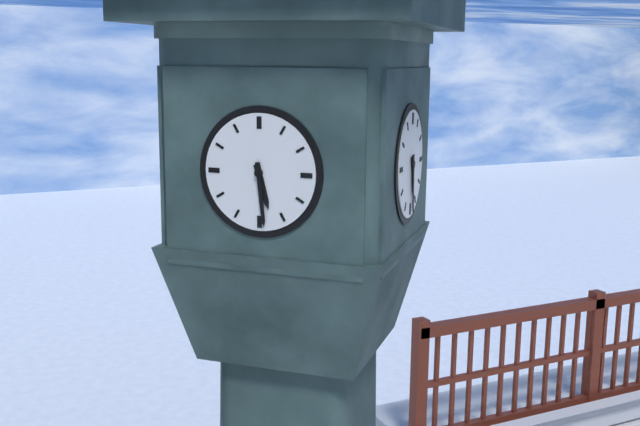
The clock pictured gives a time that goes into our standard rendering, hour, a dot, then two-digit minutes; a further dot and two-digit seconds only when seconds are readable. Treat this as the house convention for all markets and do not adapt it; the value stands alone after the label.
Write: 5.29
